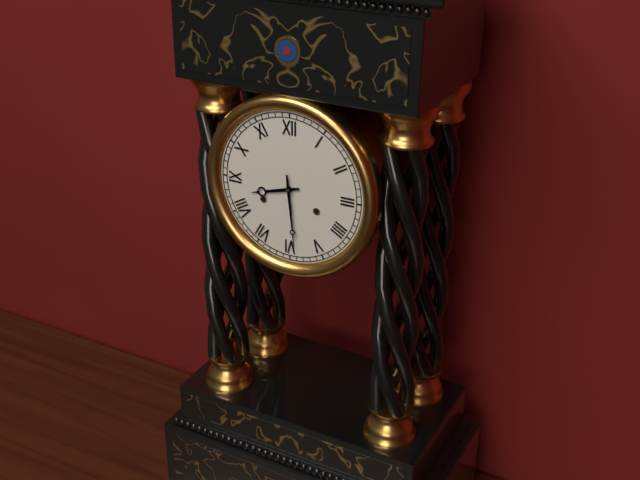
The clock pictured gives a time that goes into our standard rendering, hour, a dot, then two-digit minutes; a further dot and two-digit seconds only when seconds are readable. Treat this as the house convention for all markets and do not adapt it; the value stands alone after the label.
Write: 8.29
